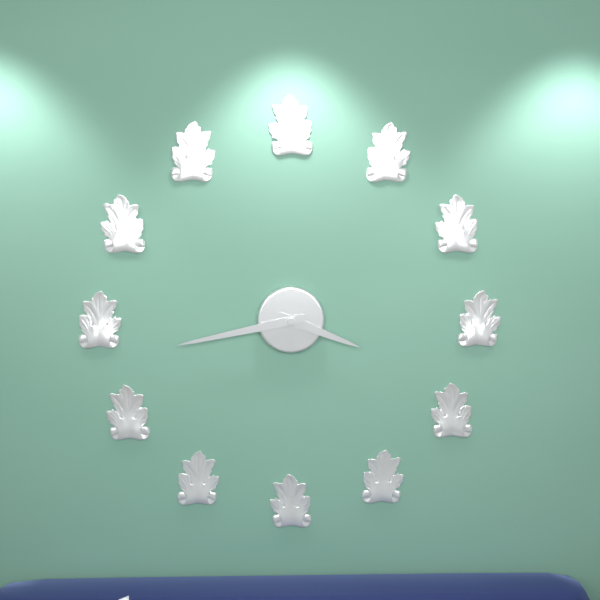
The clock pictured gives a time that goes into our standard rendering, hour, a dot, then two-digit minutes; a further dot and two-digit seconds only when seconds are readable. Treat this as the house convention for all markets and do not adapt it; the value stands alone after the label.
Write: 3.43
